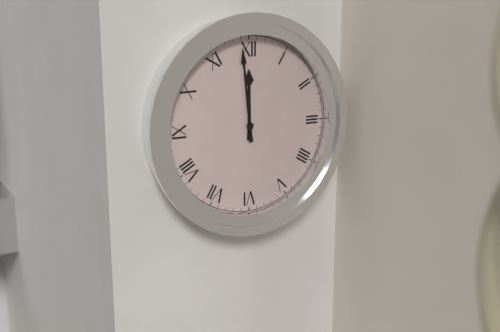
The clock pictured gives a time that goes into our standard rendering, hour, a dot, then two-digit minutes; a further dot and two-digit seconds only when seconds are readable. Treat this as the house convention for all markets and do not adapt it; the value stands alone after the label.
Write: 11.59
